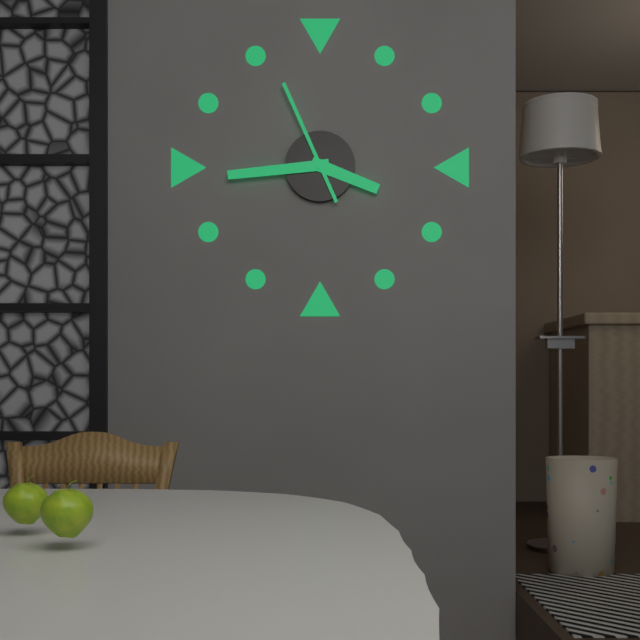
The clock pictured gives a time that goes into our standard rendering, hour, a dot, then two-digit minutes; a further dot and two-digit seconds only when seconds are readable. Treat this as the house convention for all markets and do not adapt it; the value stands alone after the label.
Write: 3.44.56
